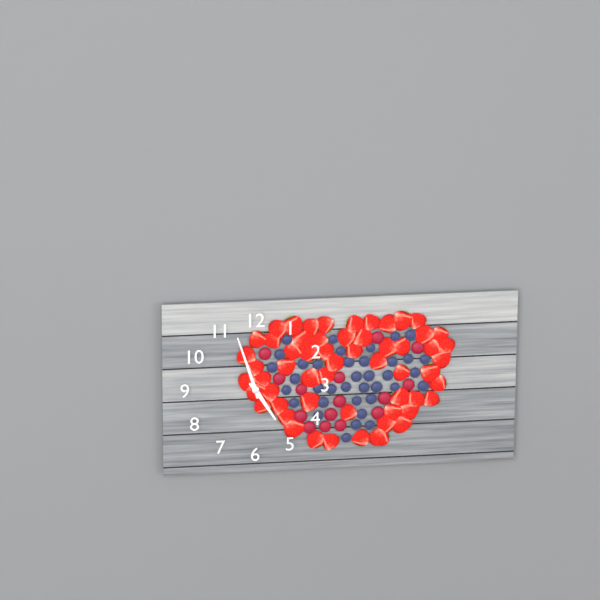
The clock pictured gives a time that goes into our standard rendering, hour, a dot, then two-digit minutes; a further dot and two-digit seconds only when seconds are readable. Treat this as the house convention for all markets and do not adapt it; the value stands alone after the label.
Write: 4.57
